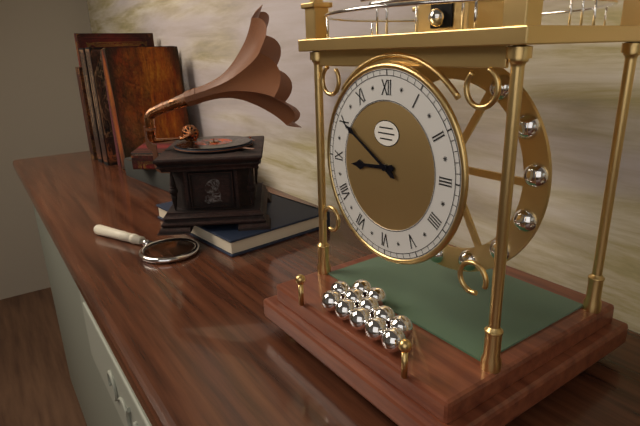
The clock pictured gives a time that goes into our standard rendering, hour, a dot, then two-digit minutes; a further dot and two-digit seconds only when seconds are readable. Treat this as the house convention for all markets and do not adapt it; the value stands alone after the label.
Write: 8.50
